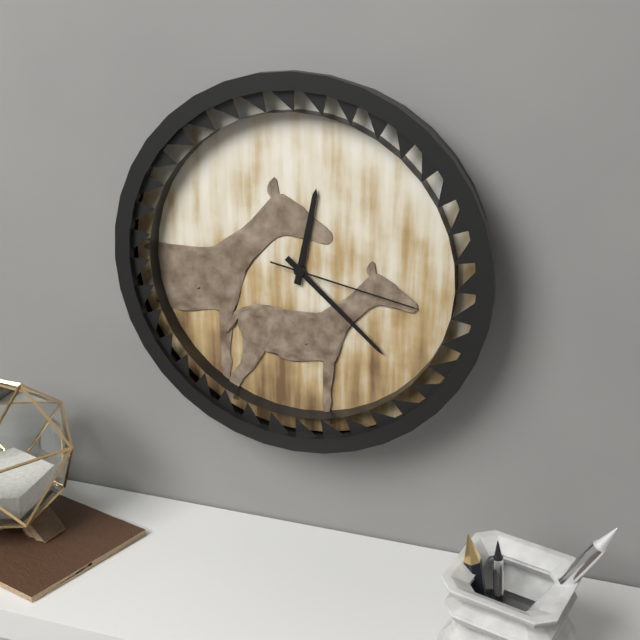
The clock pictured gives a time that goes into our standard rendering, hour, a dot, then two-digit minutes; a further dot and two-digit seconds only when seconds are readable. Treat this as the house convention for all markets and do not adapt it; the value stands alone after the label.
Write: 12.22.17
